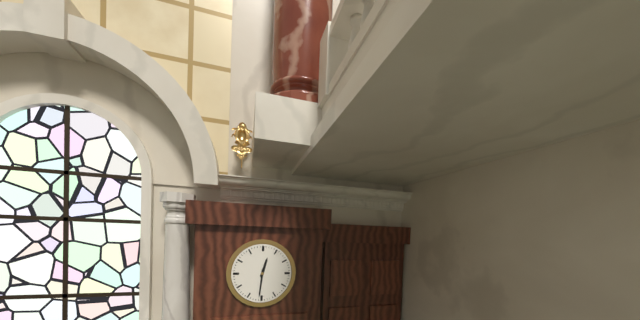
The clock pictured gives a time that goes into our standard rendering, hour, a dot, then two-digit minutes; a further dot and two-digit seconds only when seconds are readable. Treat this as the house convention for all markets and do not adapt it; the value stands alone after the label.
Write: 12.31
